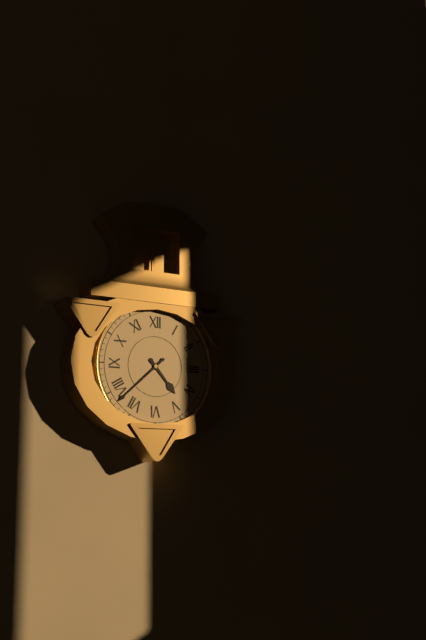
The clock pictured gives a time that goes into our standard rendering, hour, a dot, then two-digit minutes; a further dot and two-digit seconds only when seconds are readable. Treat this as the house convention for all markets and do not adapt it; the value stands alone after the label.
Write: 4.38
